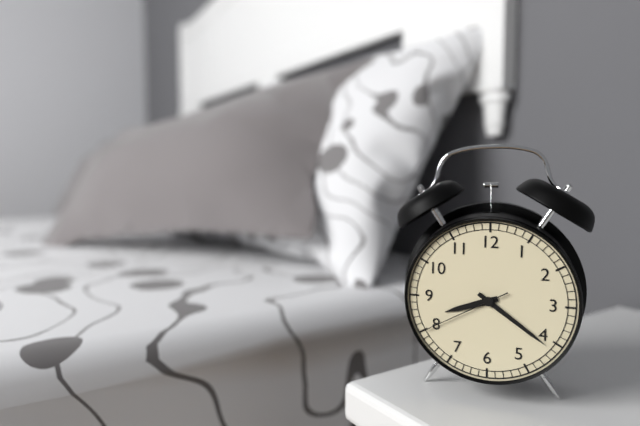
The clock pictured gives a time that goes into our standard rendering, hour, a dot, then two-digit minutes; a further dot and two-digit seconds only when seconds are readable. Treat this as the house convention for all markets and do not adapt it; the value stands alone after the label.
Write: 8.21.40
